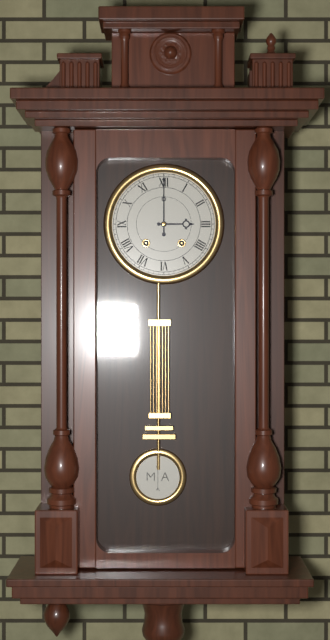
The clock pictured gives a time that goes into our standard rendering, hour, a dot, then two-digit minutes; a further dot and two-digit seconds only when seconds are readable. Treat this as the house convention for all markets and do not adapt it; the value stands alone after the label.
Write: 3.00
